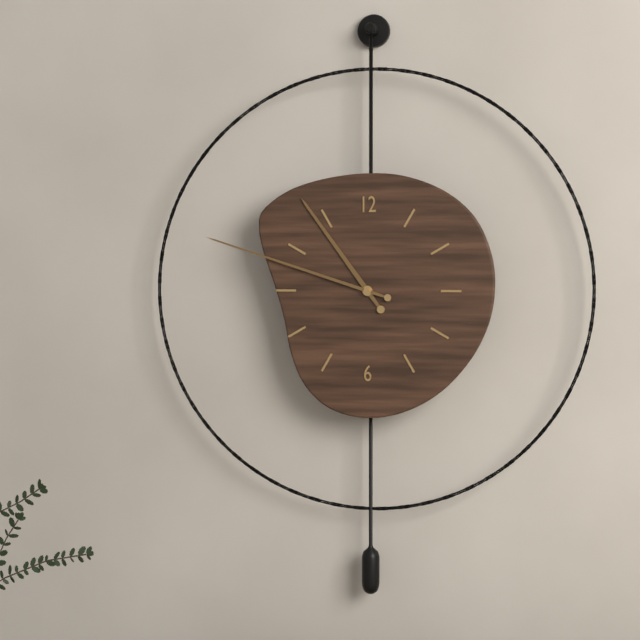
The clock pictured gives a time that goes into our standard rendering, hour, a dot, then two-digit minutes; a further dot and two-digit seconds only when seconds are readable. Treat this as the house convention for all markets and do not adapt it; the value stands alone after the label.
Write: 10.48
